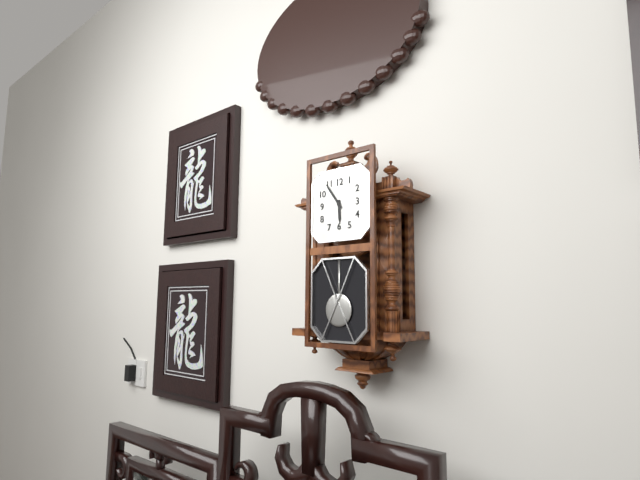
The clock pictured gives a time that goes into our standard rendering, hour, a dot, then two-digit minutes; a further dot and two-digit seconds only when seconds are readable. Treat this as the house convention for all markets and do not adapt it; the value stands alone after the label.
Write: 5.54
